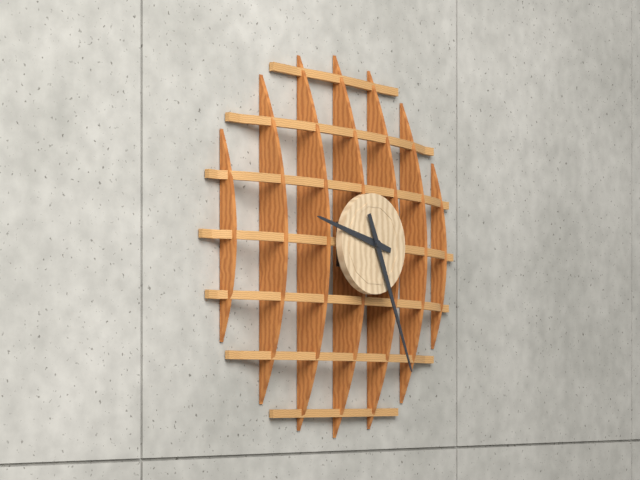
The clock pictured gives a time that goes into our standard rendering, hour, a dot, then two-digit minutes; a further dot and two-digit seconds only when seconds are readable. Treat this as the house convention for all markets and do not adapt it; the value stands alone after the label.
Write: 9.26
